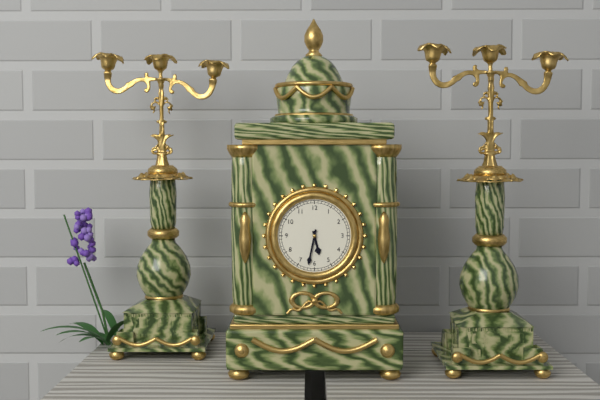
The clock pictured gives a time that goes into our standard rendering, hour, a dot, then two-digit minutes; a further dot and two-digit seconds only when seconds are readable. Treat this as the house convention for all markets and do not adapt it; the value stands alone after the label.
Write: 5.32
